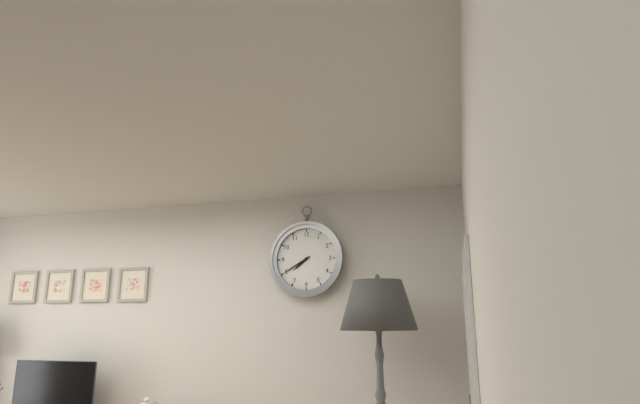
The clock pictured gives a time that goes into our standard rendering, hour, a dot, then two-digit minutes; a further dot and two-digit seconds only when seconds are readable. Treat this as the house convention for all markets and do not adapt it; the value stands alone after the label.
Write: 7.40
